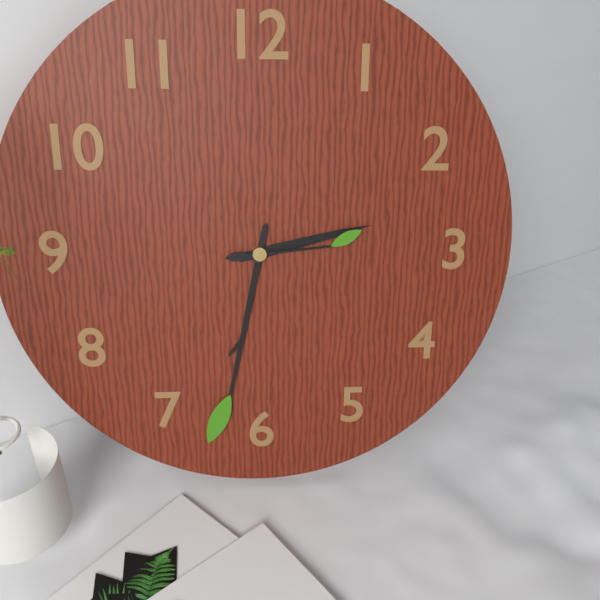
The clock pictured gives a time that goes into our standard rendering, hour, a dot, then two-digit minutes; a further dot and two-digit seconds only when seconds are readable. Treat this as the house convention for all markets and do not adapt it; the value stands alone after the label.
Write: 2.32.14
